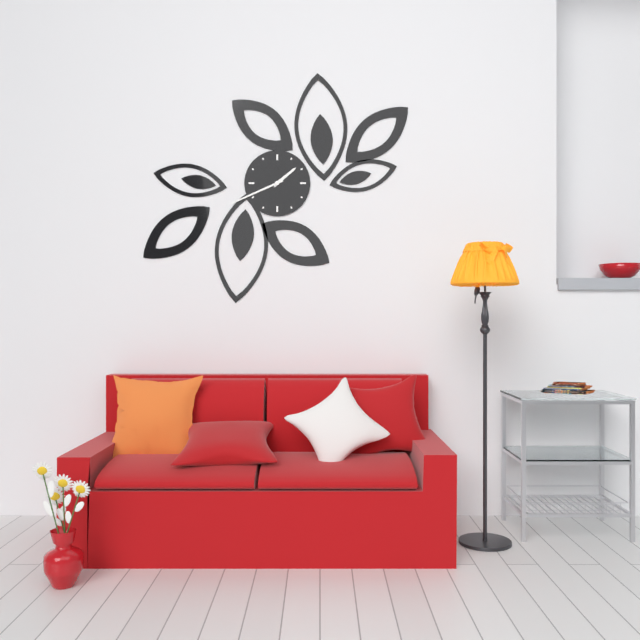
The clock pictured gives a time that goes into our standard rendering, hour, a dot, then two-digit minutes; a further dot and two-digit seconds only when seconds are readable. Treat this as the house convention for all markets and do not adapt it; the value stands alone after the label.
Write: 1.41
